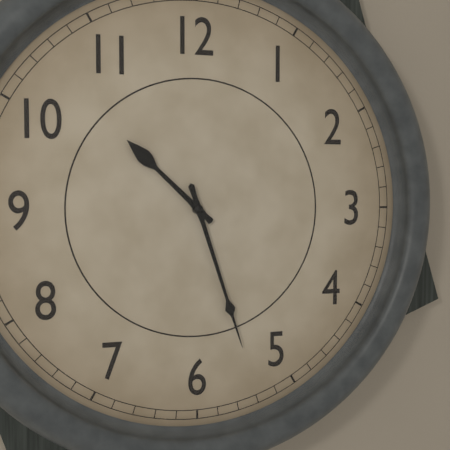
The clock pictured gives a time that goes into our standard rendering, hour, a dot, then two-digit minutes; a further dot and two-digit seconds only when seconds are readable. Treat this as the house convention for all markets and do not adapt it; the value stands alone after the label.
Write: 10.27
